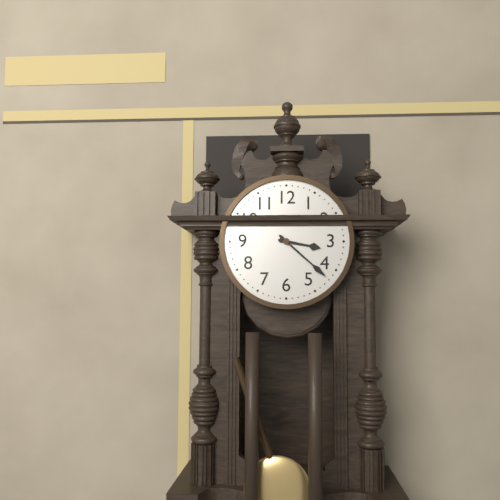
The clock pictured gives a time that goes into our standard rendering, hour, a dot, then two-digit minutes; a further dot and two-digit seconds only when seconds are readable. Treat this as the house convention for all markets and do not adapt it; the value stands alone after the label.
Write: 3.22
